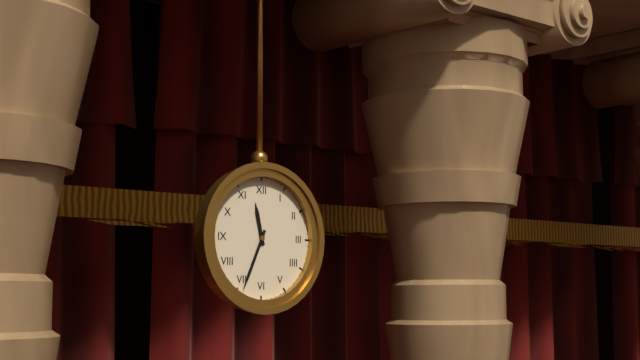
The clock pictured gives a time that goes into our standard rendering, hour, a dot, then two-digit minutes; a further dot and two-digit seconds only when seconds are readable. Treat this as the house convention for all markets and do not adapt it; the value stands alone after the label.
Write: 11.34
